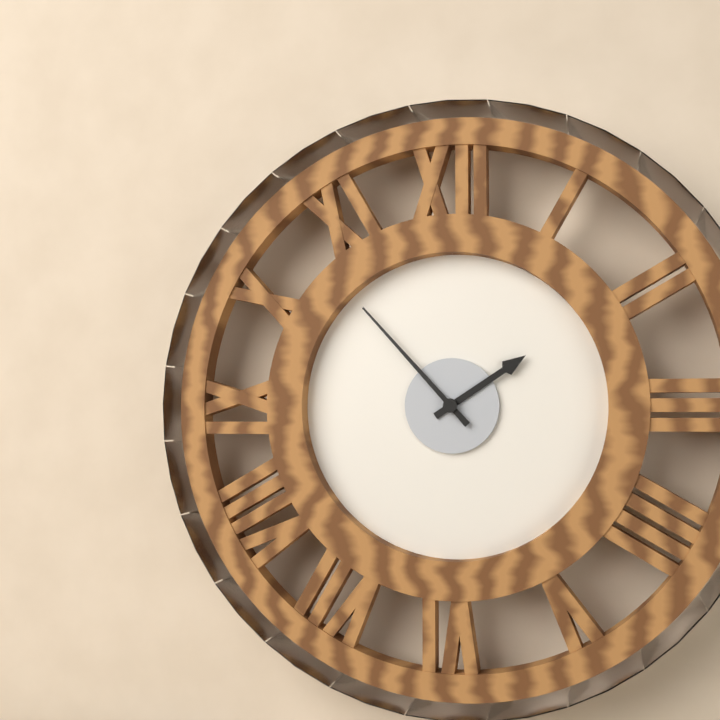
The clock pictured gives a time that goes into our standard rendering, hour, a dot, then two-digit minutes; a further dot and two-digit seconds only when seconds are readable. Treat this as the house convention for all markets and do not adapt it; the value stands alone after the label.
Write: 1.53
